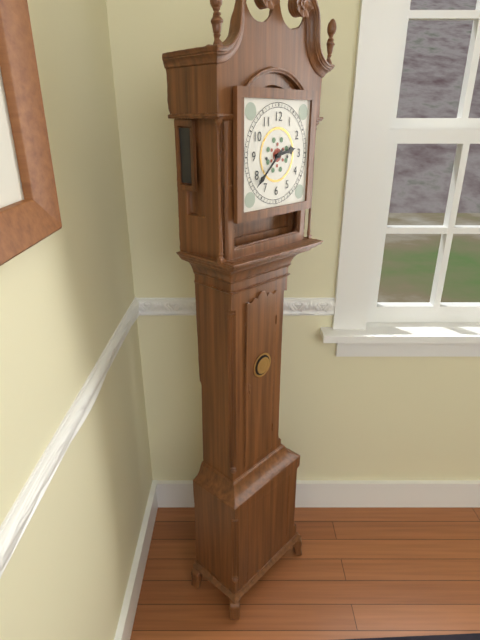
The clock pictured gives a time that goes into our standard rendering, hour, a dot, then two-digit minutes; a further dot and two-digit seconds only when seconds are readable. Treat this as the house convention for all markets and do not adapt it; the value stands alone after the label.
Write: 2.38
